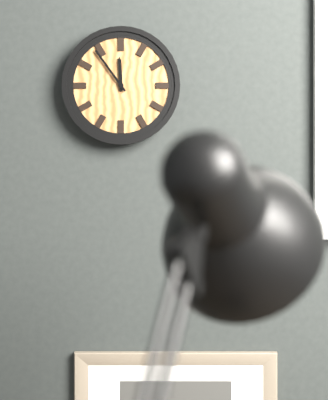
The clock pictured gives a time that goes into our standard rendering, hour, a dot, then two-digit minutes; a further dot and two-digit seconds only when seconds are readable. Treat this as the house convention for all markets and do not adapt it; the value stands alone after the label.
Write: 11.54
